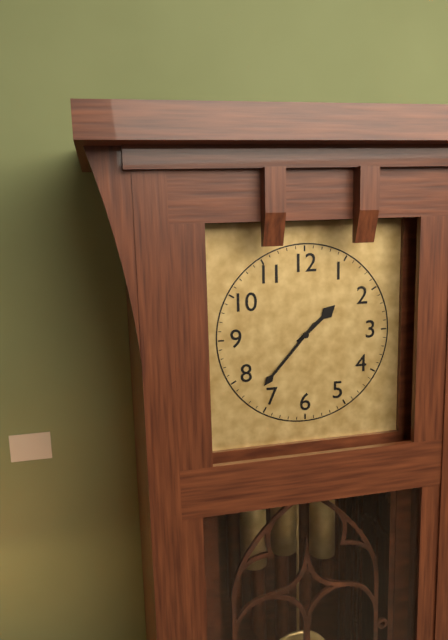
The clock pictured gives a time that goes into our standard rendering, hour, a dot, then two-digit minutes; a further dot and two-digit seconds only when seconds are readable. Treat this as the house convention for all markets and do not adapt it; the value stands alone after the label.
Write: 1.37
